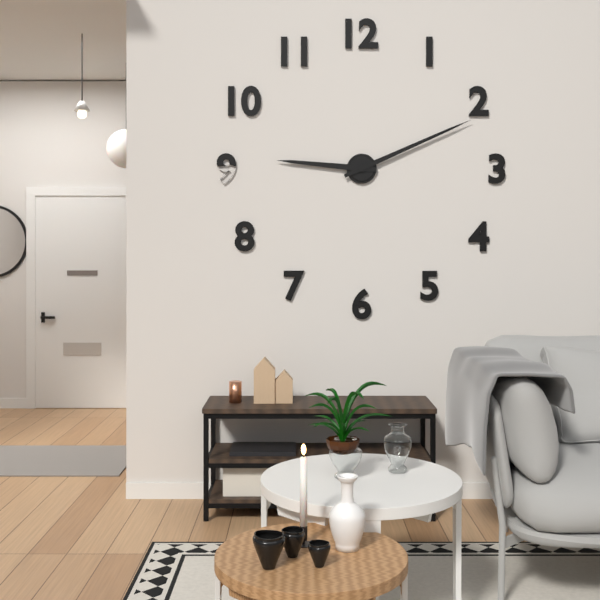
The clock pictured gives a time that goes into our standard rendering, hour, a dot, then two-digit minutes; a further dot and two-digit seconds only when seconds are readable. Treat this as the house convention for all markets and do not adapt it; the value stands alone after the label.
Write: 9.11
